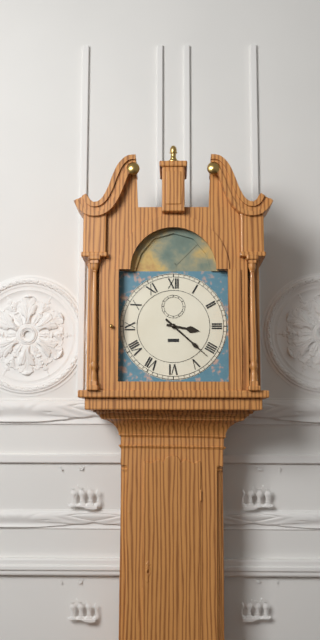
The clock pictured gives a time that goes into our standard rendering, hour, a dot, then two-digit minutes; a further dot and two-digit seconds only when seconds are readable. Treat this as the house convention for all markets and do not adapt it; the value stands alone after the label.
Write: 3.22
